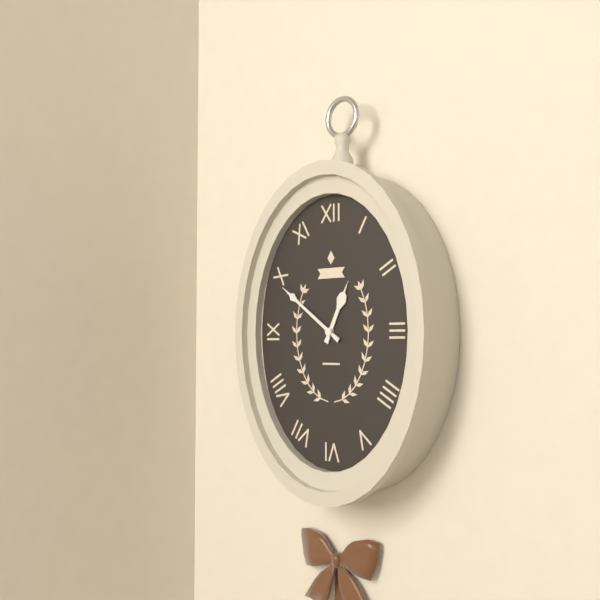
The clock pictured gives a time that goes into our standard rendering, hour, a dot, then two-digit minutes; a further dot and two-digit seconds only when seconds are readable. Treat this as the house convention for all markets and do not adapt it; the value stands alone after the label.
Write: 12.51
